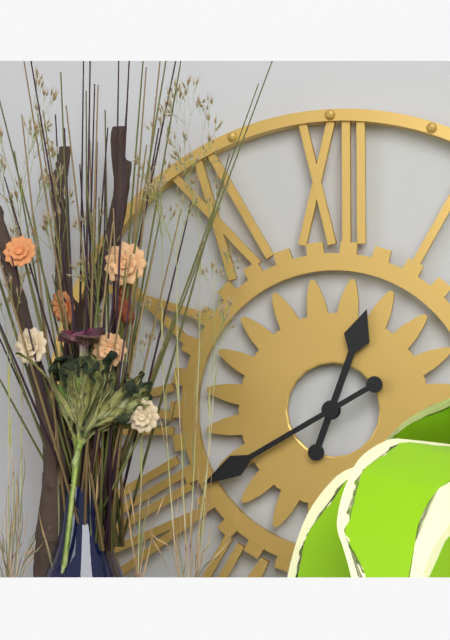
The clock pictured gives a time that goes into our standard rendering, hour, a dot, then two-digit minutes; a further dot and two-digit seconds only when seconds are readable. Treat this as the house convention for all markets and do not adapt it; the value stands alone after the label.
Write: 12.40
